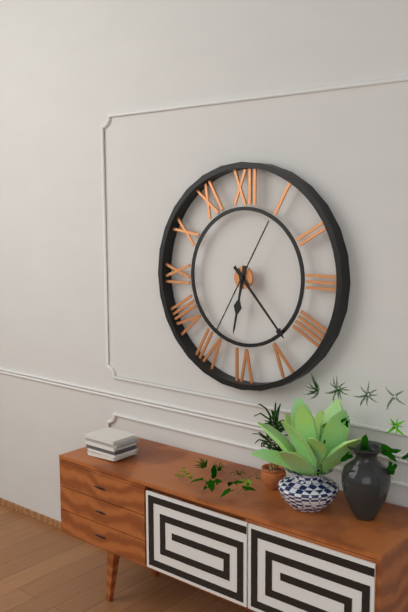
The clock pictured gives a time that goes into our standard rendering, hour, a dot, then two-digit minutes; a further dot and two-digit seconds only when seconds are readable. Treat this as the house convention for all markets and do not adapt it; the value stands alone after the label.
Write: 6.23.35
